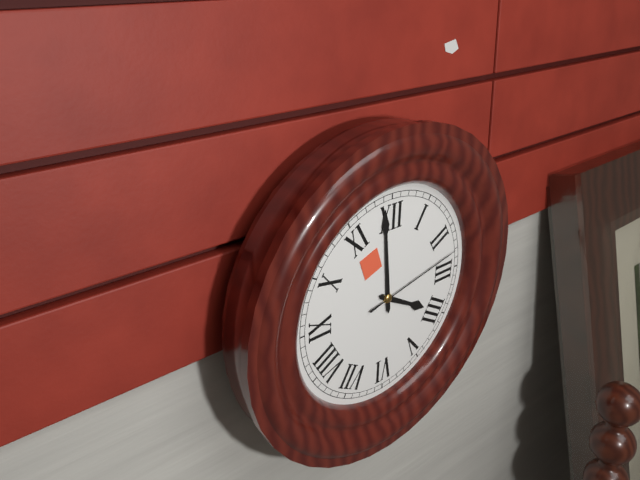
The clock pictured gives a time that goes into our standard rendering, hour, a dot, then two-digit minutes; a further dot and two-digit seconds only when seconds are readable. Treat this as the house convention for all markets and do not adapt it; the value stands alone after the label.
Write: 3.59.13
